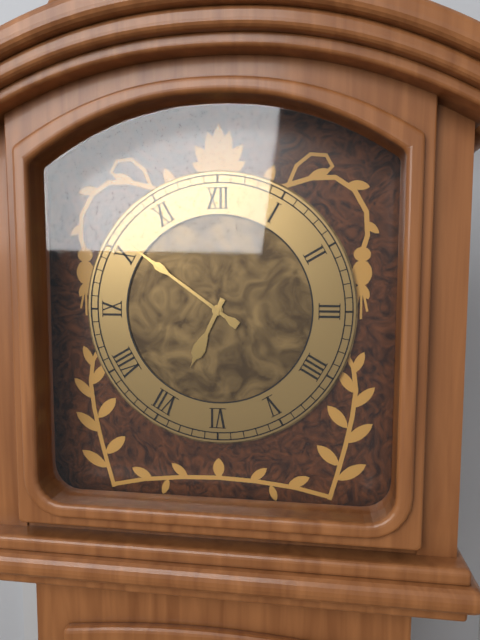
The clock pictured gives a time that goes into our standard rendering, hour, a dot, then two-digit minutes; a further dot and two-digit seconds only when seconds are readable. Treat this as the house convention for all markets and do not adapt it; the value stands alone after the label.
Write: 6.51
